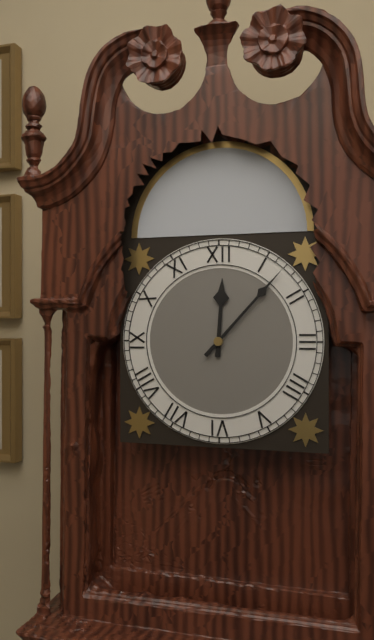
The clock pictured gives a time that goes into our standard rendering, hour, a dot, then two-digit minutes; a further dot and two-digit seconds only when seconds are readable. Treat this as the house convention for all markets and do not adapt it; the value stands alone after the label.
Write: 12.07
